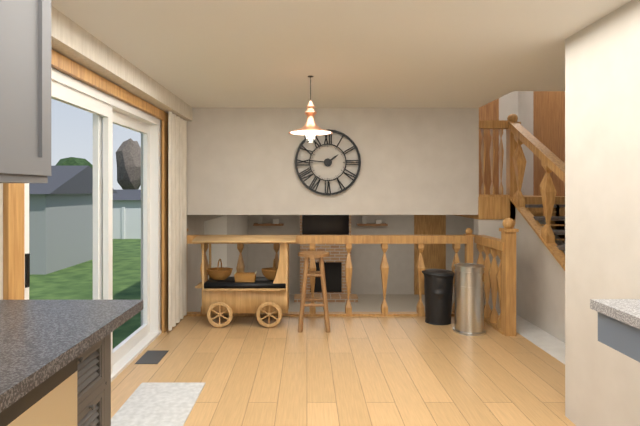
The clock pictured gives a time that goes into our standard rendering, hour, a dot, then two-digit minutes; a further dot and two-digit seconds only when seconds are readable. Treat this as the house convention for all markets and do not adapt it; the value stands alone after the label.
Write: 1.46
